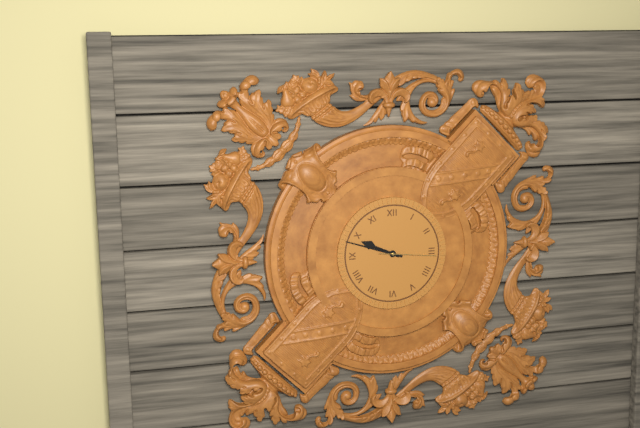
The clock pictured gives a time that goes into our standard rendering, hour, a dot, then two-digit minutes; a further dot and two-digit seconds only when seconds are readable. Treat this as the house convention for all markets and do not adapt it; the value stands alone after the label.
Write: 9.48.16
